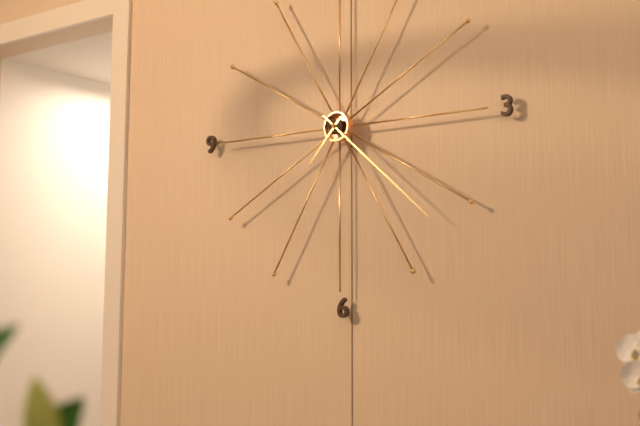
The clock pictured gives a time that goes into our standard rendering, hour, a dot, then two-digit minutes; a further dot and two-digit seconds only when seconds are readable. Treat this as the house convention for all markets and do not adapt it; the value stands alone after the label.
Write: 7.22
